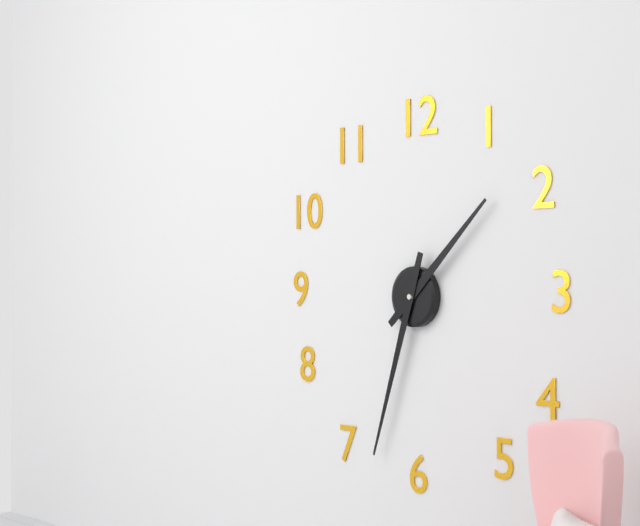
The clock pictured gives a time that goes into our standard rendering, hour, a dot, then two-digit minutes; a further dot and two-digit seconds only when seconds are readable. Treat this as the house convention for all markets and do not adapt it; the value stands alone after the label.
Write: 1.33
